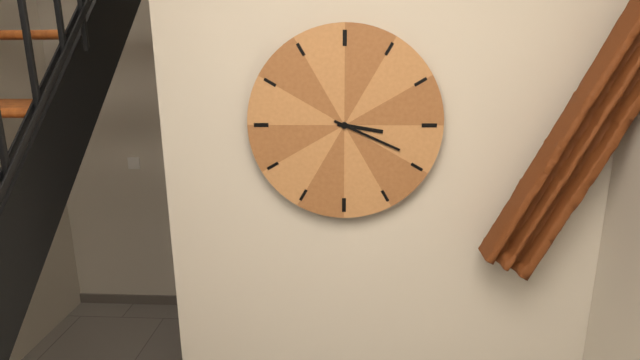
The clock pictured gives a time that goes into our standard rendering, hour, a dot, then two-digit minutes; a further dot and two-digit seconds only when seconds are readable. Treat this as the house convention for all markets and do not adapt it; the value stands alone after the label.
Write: 3.19
